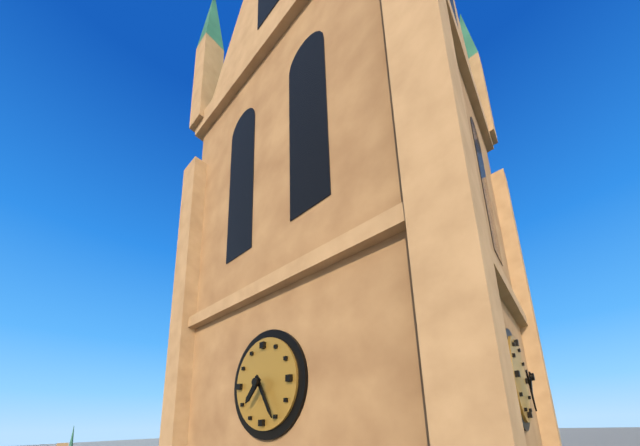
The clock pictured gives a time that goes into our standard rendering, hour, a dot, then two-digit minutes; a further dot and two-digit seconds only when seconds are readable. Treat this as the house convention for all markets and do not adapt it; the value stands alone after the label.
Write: 7.25
